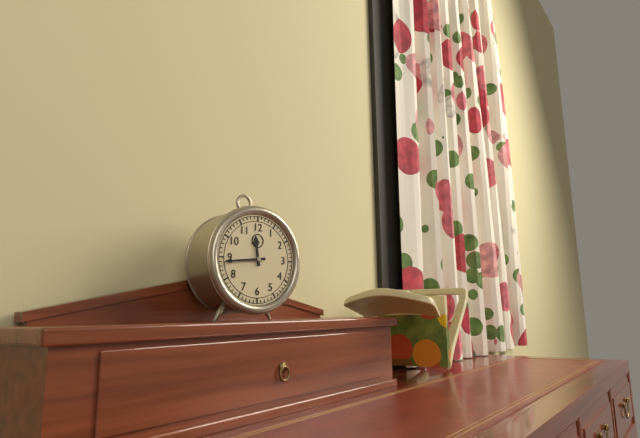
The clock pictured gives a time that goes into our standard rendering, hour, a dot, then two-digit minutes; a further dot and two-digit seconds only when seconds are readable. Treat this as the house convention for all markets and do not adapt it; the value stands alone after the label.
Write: 11.44
